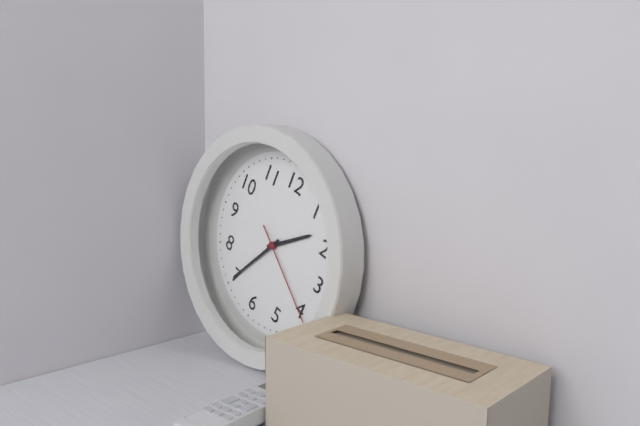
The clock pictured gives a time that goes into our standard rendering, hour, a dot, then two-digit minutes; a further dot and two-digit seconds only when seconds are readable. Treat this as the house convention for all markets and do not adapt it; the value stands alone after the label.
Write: 1.35.20
